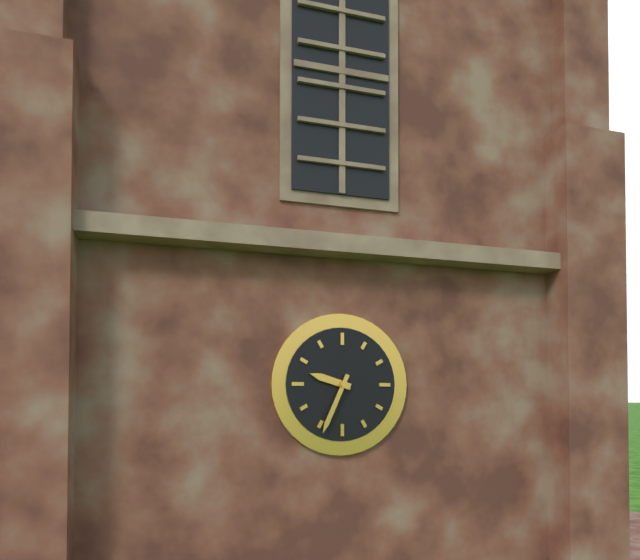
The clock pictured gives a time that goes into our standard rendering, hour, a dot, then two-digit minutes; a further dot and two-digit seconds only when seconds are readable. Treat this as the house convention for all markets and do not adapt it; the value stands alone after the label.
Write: 9.34
